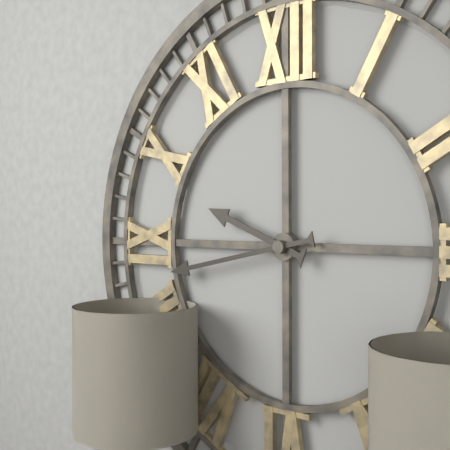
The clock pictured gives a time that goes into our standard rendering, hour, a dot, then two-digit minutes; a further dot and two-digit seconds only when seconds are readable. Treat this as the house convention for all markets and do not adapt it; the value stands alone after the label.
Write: 9.43
